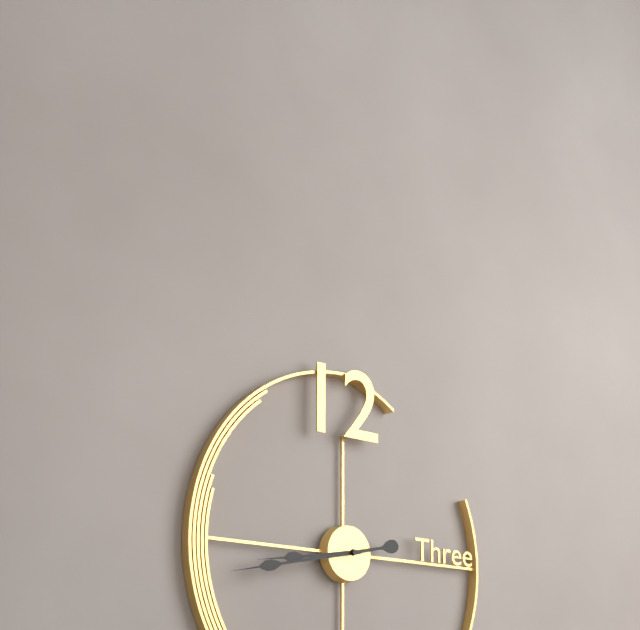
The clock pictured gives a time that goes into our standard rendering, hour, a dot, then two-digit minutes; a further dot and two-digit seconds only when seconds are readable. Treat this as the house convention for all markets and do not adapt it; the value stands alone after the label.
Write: 8.43
